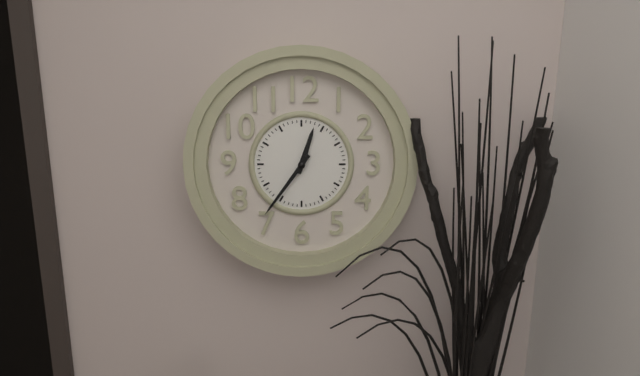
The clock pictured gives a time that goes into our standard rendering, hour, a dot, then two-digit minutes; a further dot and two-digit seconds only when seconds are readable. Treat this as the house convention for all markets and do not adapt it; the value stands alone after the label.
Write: 12.36
